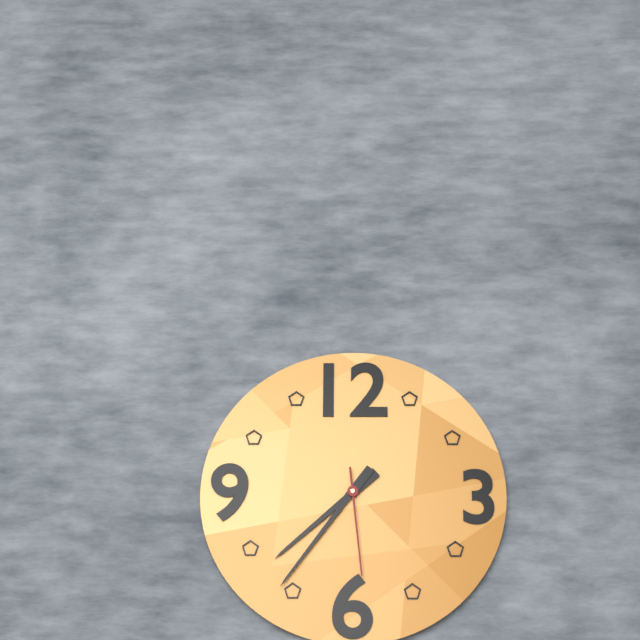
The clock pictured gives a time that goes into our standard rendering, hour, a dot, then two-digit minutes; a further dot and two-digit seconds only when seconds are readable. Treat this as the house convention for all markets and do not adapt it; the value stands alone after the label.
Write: 7.36.29
